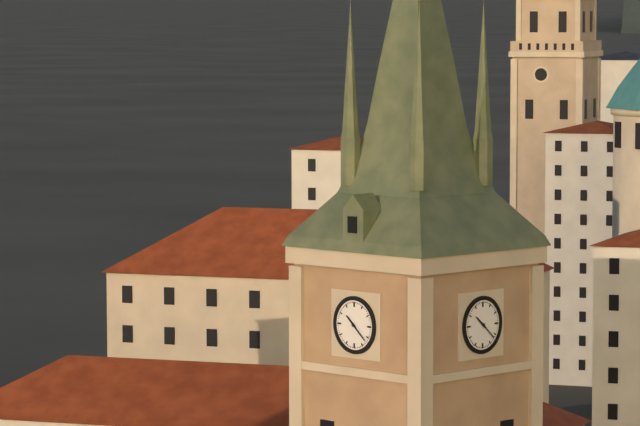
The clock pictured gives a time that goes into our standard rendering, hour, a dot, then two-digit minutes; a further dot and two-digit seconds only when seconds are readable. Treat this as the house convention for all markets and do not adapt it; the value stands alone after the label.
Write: 10.22
